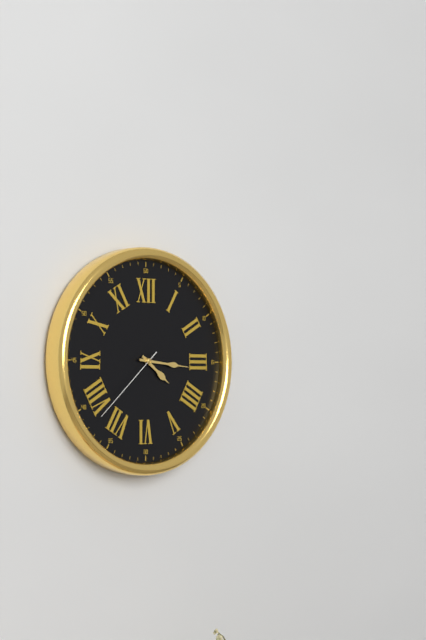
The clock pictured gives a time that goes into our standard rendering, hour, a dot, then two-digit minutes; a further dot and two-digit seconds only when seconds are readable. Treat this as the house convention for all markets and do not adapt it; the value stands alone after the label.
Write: 4.16.38
